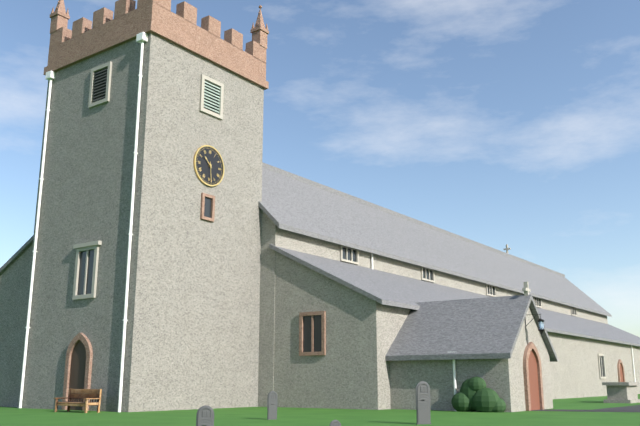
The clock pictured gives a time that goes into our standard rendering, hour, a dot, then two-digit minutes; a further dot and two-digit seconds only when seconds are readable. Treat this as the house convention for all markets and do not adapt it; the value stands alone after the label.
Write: 10.29
